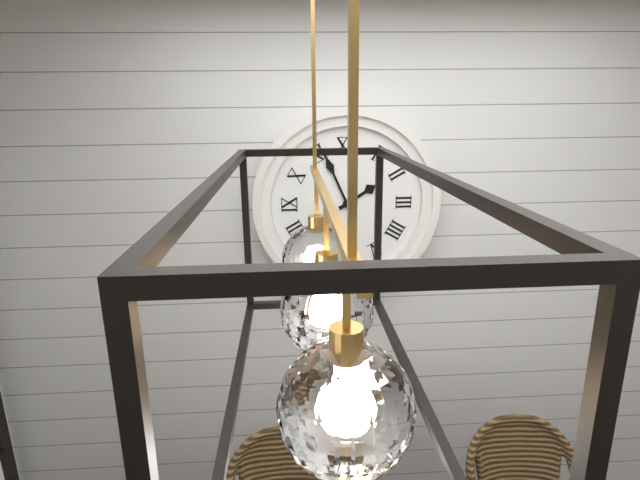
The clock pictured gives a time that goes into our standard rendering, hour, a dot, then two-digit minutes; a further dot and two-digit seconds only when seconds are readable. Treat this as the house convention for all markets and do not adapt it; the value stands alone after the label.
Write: 1.56
